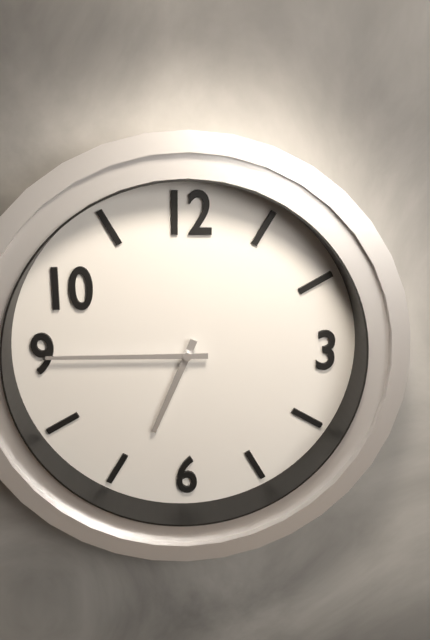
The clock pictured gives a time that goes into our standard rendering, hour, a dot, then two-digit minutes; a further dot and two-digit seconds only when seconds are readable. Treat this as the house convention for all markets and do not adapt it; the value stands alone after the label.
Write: 6.45
